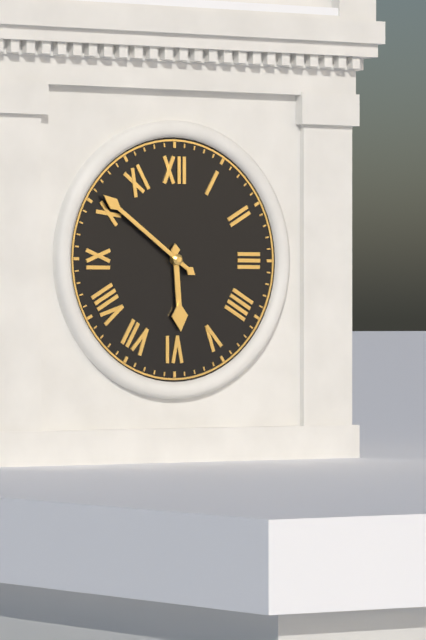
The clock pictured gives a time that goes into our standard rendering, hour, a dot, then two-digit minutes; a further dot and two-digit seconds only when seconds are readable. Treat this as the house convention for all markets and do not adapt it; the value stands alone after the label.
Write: 5.51
